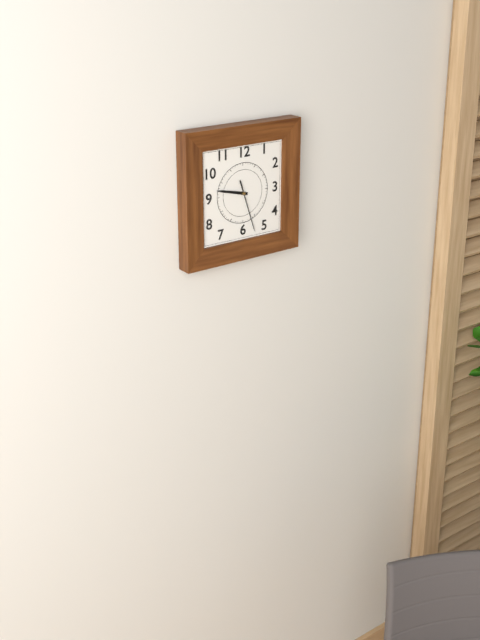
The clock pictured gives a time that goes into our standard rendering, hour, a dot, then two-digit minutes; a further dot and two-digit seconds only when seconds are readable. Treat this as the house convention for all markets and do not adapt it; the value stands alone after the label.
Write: 9.27
